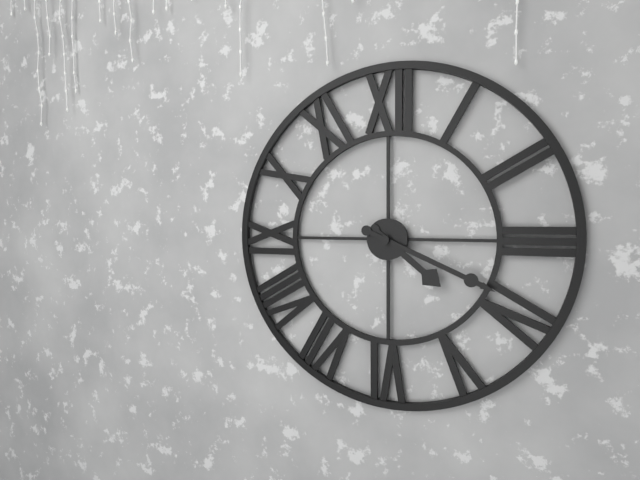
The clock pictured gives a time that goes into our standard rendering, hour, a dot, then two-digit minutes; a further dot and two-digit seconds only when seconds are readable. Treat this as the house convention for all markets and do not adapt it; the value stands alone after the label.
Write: 4.19
